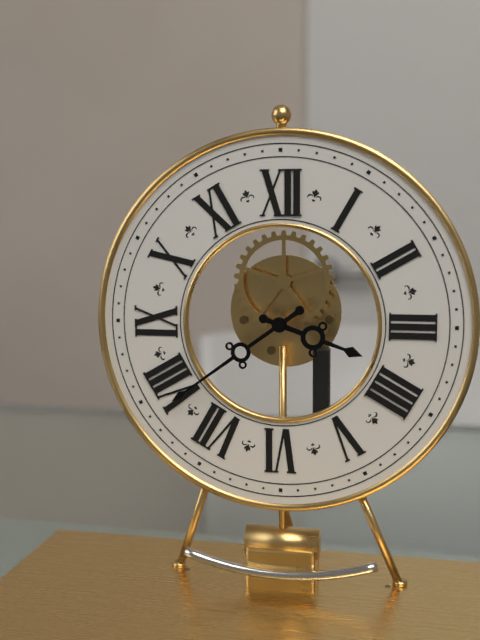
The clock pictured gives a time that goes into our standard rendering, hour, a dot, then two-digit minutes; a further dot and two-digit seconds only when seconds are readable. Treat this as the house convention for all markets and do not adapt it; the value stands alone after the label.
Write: 3.39
